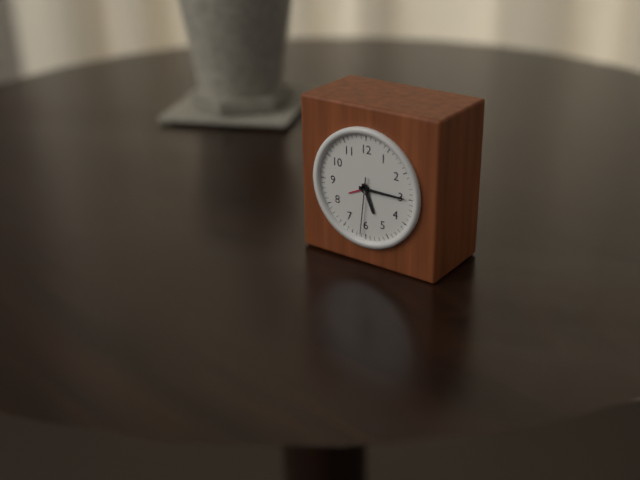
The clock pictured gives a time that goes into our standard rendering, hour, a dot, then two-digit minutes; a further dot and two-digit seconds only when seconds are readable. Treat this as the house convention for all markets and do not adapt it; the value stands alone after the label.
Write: 5.15.31
